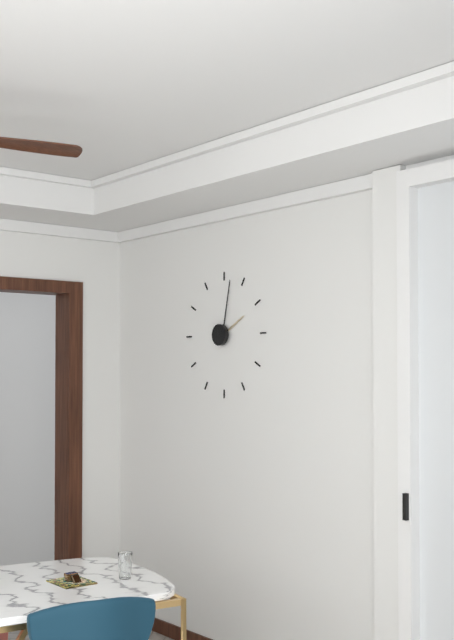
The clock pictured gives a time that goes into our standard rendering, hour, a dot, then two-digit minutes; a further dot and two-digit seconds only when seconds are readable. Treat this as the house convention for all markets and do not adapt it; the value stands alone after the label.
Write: 2.02
